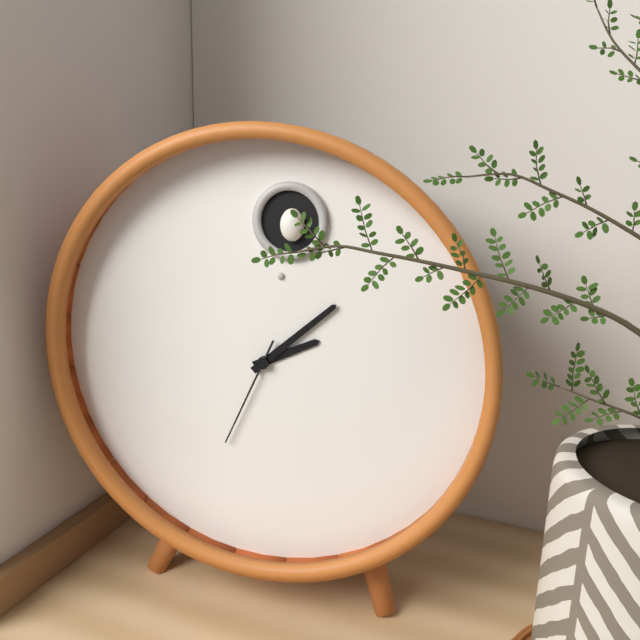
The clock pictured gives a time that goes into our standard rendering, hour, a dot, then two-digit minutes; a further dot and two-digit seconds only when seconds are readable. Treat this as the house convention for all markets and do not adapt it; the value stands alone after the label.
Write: 2.08.34
